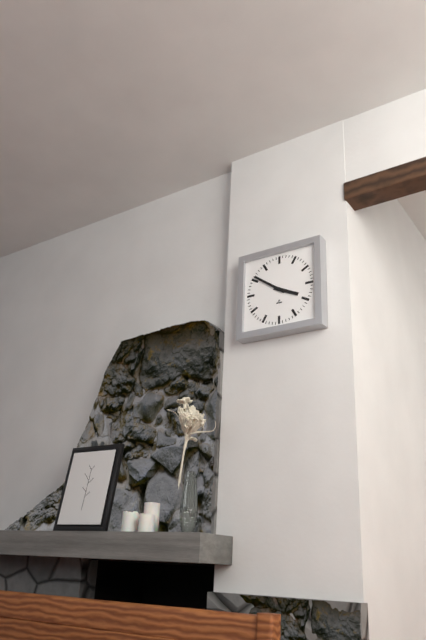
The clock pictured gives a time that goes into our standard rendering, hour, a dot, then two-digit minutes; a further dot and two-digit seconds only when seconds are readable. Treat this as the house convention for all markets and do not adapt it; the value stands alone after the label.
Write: 3.51
